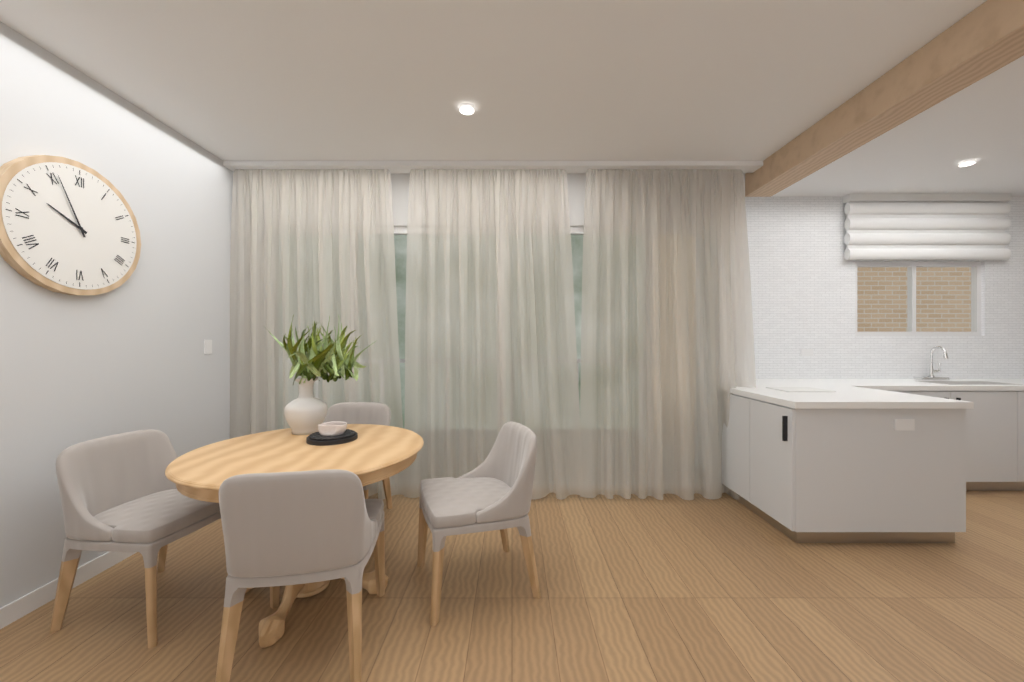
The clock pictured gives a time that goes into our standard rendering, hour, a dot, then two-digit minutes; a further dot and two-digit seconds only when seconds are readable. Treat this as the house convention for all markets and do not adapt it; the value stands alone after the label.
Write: 9.56
